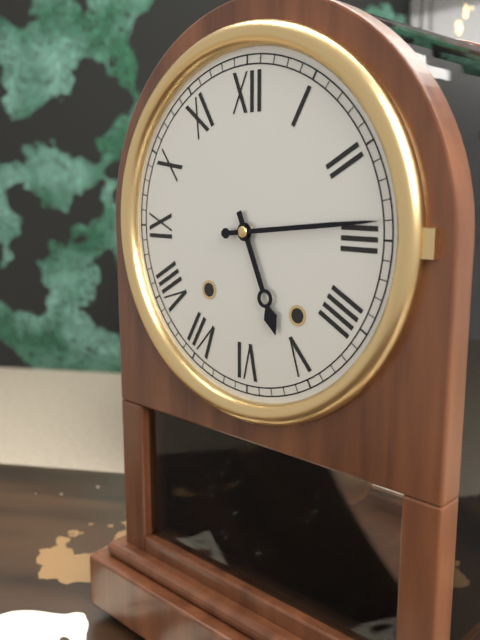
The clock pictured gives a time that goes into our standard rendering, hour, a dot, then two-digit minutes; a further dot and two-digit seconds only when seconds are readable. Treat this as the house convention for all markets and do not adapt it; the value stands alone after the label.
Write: 5.14
